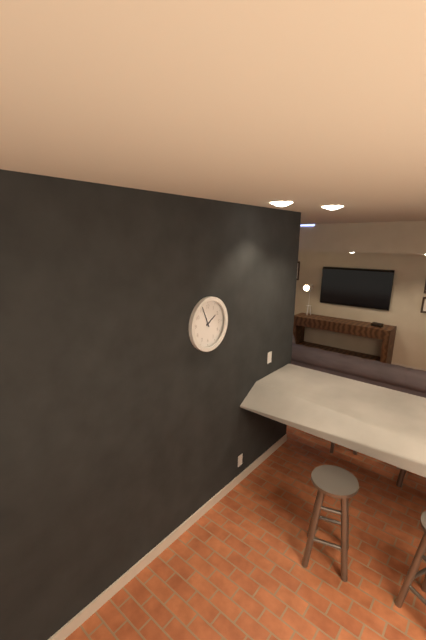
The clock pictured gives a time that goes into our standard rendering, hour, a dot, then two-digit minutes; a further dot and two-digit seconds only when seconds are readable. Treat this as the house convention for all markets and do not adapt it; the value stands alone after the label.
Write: 1.56
